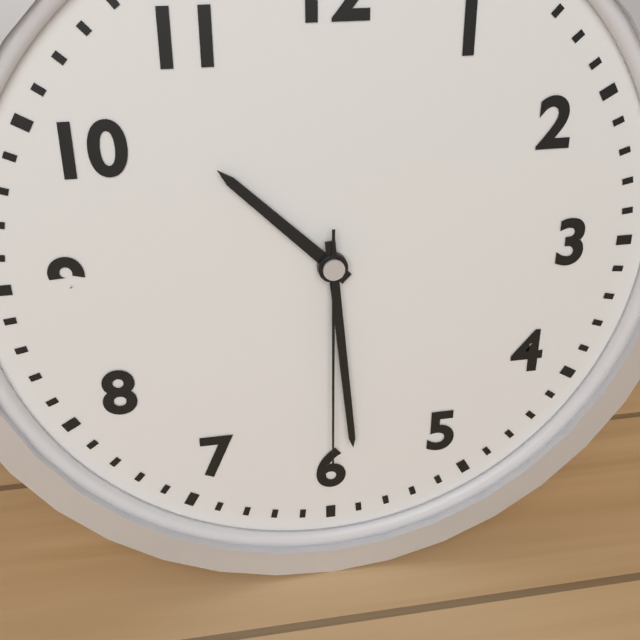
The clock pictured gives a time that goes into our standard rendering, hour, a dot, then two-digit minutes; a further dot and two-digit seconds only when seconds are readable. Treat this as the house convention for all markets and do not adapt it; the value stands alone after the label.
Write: 10.29.30
